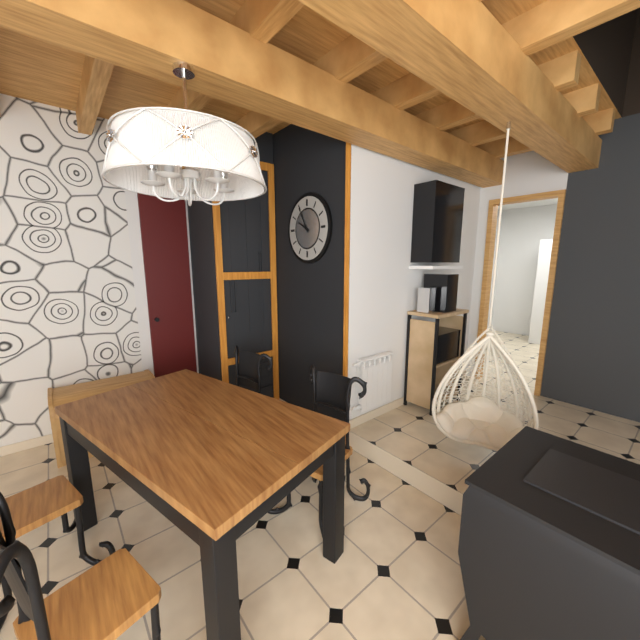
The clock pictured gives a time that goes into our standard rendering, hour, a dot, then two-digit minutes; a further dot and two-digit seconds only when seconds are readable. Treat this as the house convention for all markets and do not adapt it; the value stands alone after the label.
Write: 9.55
